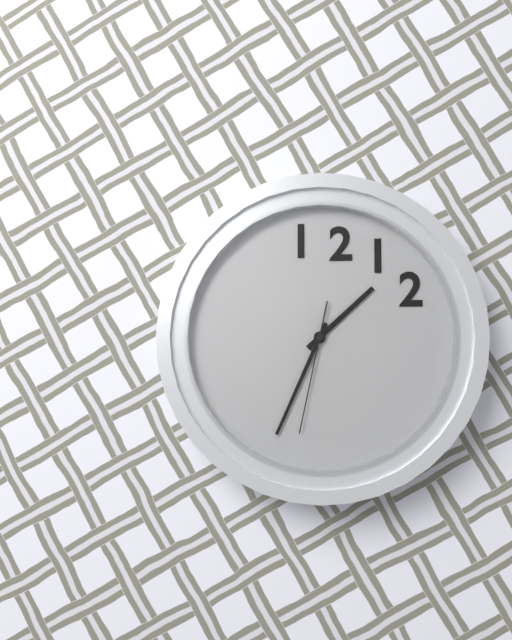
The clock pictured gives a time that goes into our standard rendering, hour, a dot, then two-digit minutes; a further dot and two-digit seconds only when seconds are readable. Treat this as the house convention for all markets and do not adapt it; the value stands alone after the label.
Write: 1.34.32
